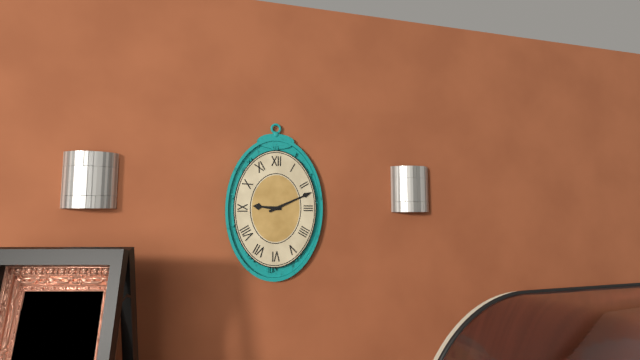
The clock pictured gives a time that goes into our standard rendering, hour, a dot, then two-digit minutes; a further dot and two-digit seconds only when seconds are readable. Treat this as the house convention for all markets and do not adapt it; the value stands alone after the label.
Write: 9.11
